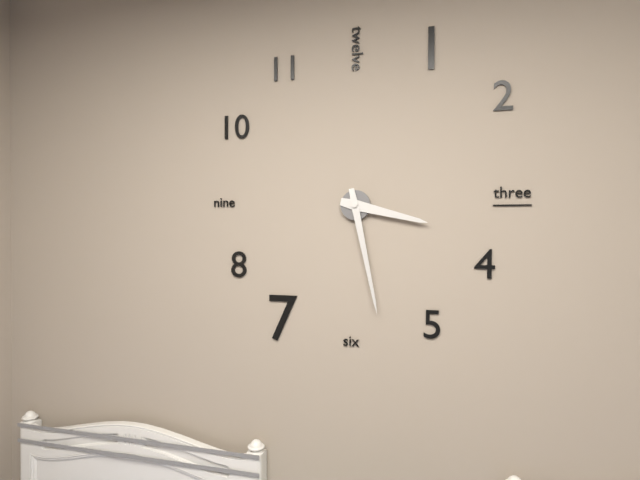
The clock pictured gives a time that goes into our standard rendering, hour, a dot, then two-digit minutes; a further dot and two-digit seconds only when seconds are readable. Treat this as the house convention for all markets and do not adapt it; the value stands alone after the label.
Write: 3.28
